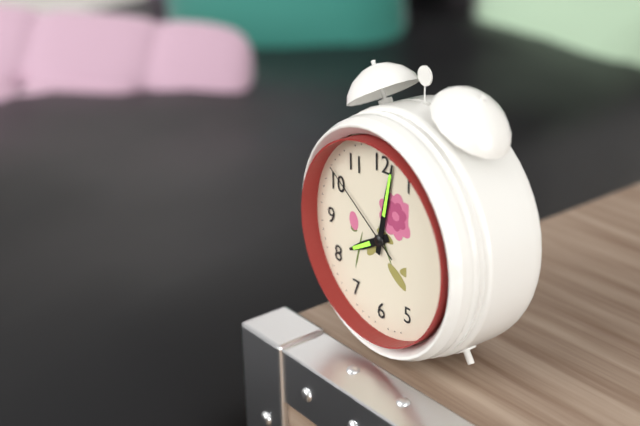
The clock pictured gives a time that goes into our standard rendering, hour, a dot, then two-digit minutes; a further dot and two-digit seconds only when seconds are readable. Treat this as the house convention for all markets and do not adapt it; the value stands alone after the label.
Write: 8.02.51
